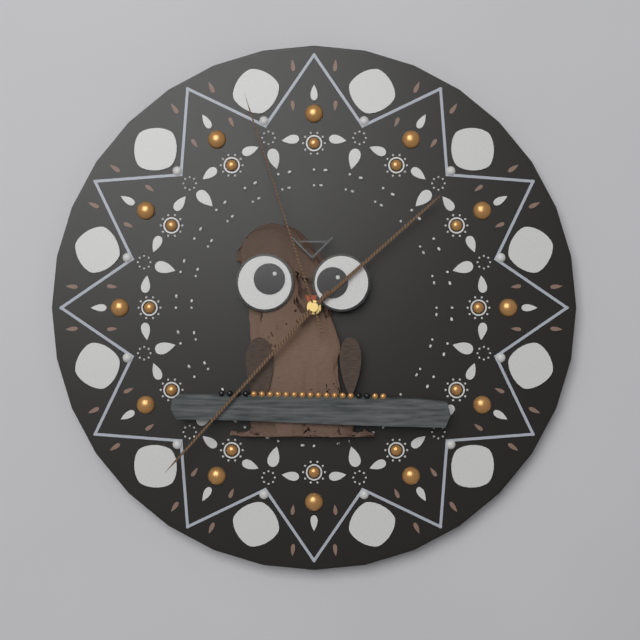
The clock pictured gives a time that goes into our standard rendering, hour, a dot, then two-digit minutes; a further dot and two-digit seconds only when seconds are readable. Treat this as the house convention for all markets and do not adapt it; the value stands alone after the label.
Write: 1.37.57
